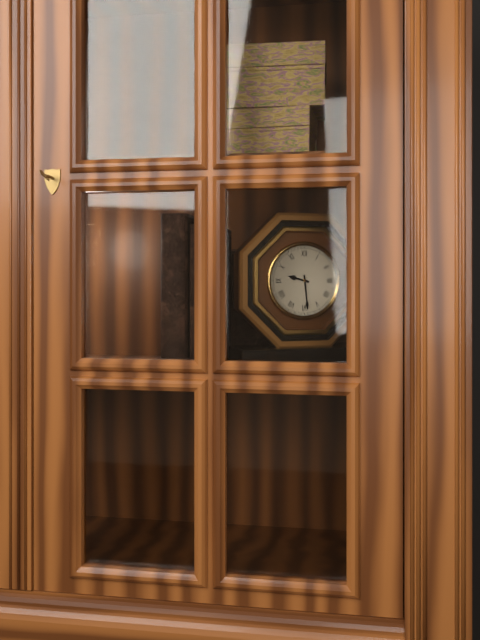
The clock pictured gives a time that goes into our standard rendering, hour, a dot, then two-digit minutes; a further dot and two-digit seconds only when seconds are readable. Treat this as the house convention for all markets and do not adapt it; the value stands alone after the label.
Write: 9.29
